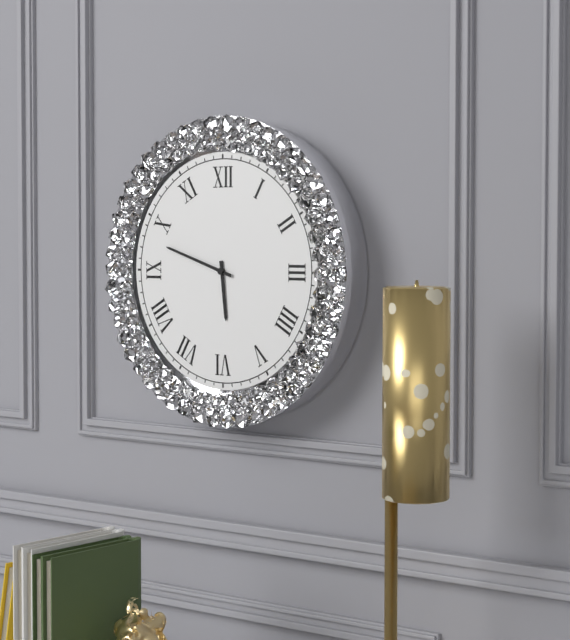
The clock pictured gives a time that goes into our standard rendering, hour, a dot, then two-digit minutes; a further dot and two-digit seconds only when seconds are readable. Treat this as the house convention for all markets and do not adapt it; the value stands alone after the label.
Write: 5.48
